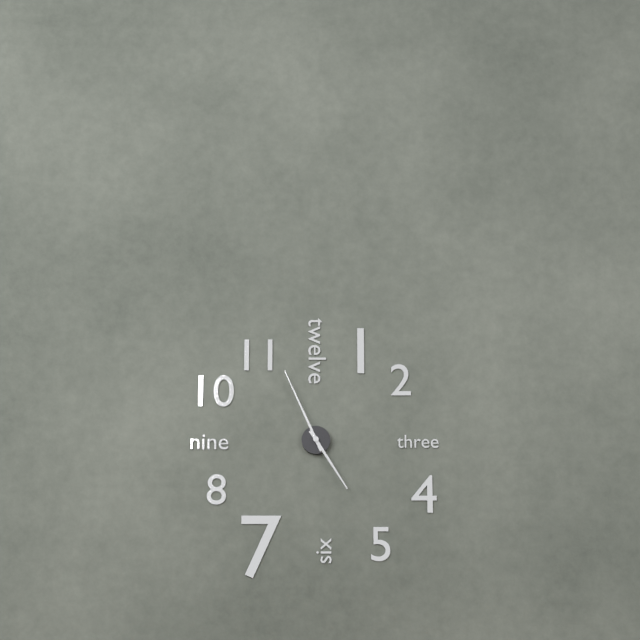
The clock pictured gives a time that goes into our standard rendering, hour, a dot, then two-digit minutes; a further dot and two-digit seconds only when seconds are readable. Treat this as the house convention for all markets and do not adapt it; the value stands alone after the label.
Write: 4.56
